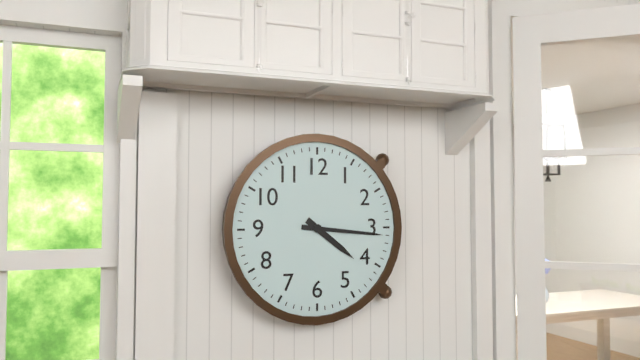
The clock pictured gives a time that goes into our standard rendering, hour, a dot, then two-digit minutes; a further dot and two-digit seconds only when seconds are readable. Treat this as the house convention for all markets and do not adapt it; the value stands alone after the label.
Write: 4.16
